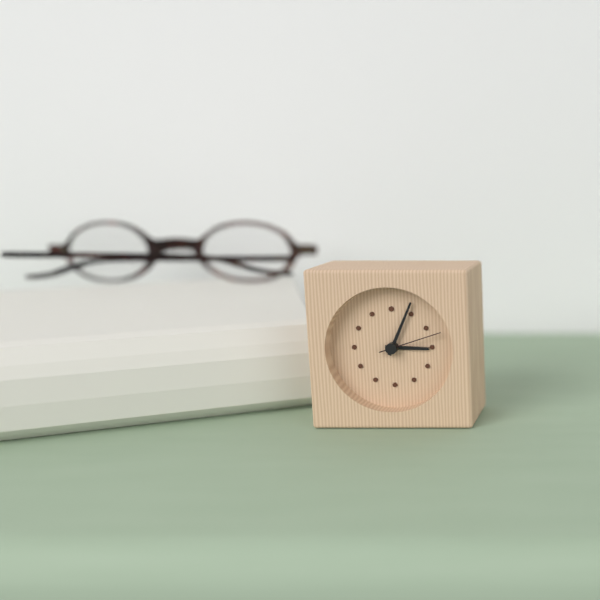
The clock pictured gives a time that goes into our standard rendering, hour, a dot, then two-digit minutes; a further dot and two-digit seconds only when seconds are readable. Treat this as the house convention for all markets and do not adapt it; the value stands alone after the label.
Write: 3.04.12
